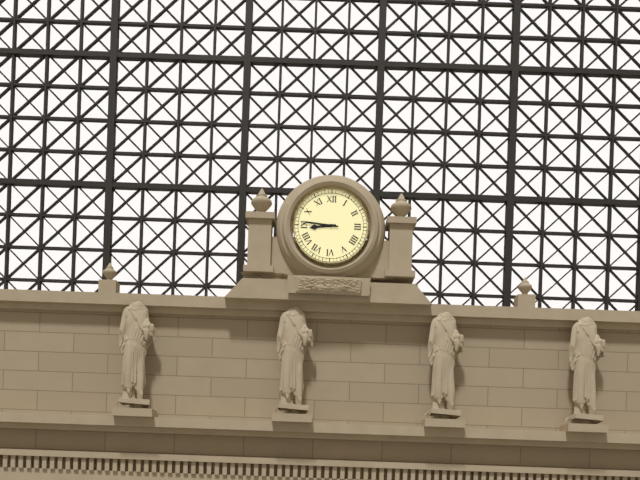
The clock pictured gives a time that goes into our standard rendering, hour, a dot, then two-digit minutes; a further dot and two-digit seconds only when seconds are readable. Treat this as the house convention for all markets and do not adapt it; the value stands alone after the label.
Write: 8.46
